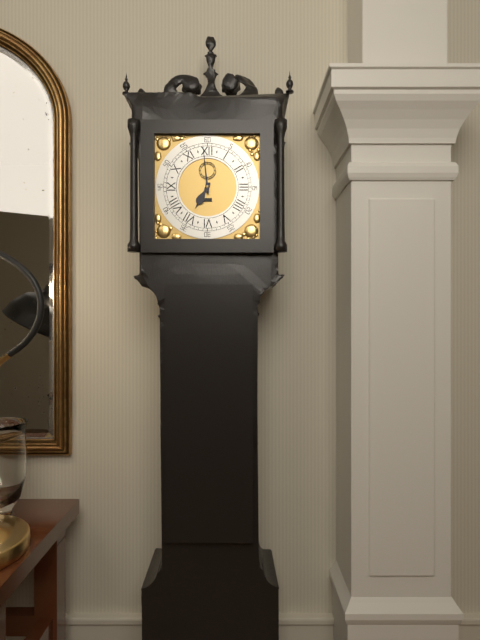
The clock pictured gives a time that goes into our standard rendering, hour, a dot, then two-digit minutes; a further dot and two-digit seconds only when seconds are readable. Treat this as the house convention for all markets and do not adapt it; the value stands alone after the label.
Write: 6.59
